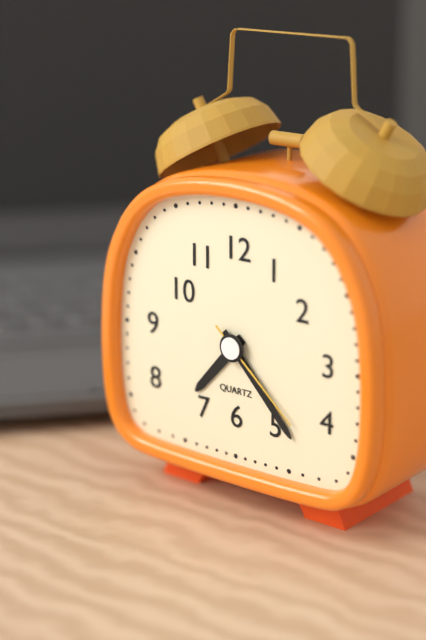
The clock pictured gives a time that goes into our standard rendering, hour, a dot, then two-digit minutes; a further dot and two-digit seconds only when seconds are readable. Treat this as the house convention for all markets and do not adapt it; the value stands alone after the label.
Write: 7.23.22
